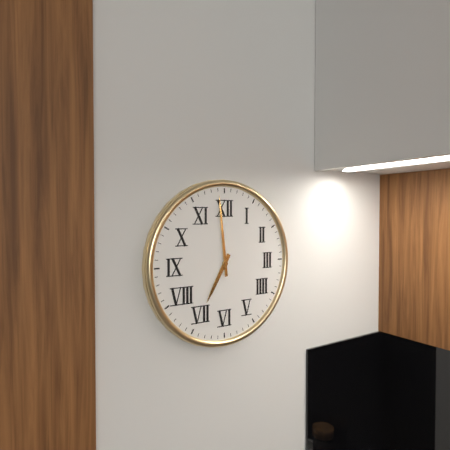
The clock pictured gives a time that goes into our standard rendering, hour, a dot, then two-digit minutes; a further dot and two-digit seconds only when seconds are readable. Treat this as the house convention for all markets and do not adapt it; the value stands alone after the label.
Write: 6.59
